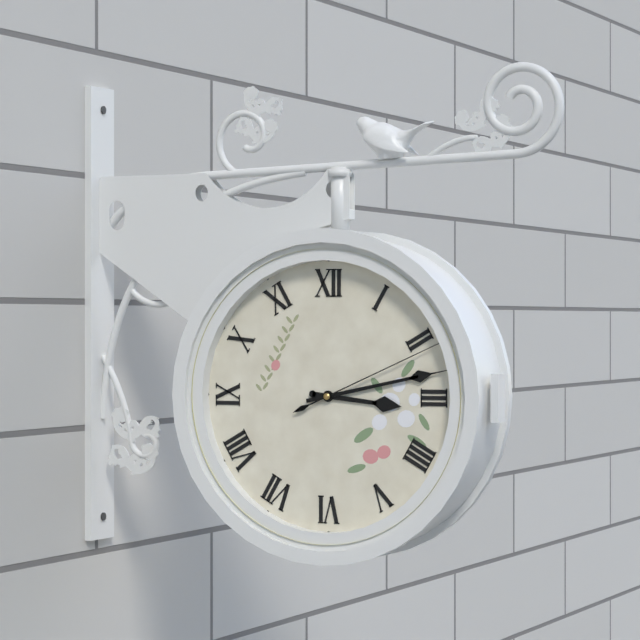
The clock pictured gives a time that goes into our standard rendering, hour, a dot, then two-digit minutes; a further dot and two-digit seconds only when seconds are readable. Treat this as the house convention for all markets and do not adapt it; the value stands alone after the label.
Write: 3.13.11
